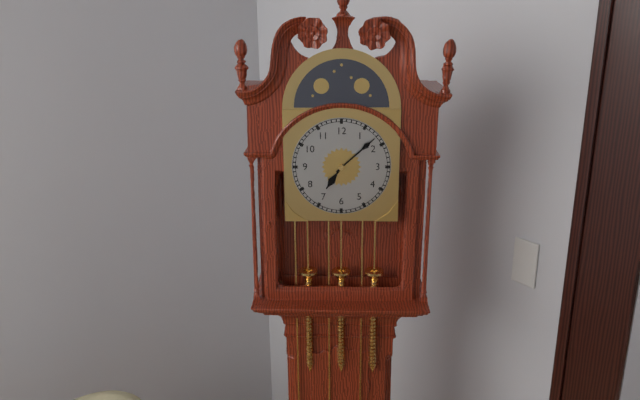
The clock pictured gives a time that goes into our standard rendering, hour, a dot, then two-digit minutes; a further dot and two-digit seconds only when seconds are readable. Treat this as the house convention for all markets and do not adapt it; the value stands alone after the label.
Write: 7.08
